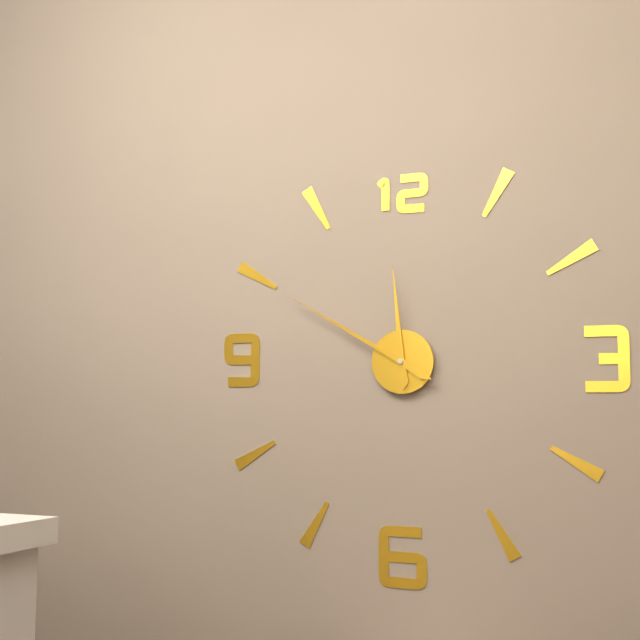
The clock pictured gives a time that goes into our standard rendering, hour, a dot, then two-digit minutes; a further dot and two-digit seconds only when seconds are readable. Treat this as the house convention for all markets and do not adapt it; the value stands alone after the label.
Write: 11.50
